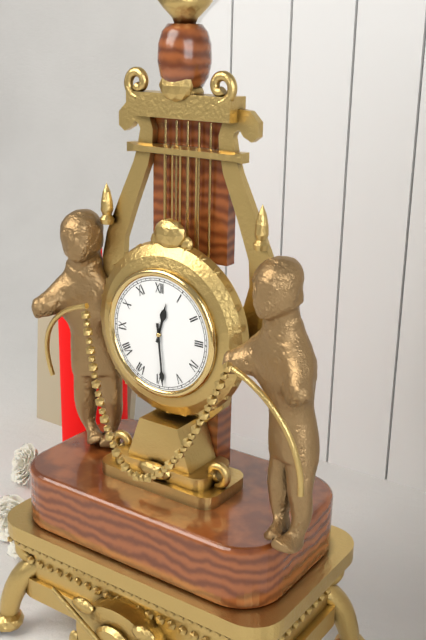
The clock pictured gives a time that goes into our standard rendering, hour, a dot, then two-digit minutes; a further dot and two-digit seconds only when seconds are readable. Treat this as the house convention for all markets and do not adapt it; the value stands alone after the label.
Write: 12.29
